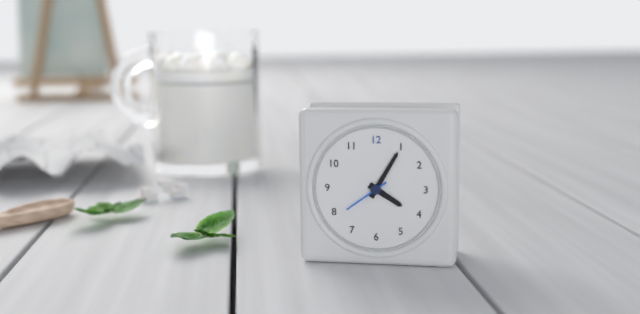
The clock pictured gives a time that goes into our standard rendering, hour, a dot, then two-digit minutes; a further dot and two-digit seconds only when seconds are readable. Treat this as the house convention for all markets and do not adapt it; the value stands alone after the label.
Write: 4.05.39
